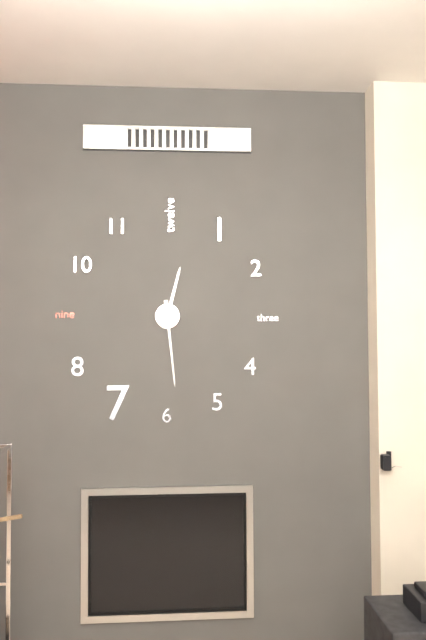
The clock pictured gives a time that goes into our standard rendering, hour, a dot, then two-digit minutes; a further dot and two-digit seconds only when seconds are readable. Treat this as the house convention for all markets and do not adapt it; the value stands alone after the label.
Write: 12.29
